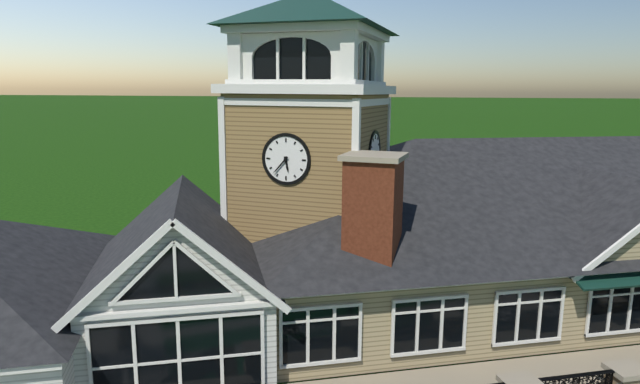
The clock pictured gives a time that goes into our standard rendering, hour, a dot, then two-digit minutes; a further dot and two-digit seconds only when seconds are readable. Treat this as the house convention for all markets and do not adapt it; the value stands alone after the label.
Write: 5.37
